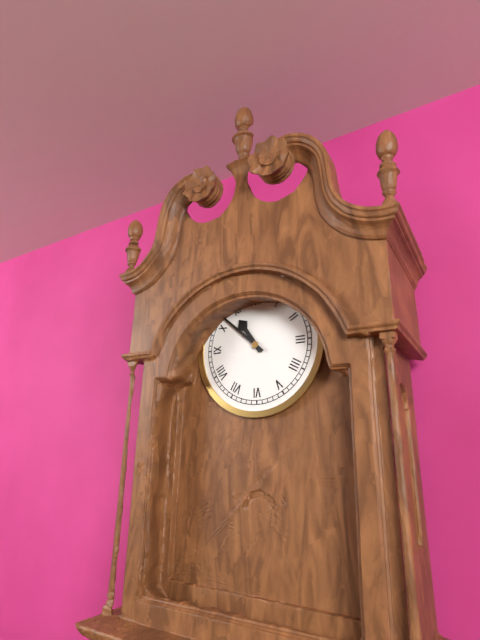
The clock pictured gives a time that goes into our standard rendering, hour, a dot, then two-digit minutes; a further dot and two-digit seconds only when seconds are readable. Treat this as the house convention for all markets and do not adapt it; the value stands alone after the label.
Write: 10.52
